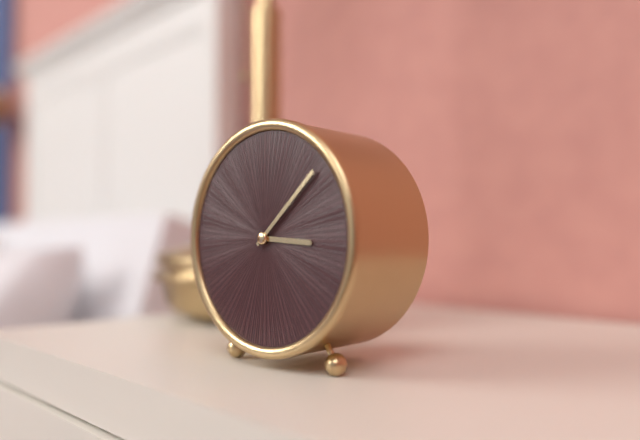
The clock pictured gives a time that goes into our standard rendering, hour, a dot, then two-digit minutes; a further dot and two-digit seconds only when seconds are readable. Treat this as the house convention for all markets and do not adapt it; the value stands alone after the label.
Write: 3.08
